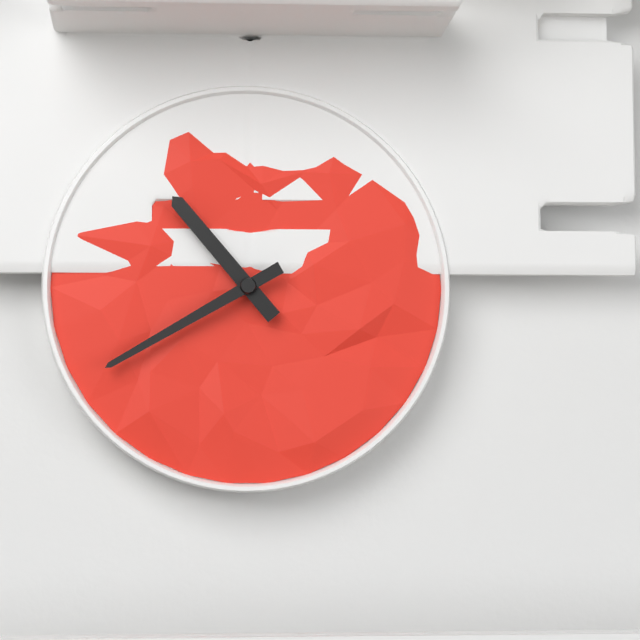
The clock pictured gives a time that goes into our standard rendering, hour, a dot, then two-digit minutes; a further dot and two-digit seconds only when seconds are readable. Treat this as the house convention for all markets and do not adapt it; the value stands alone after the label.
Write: 10.40
